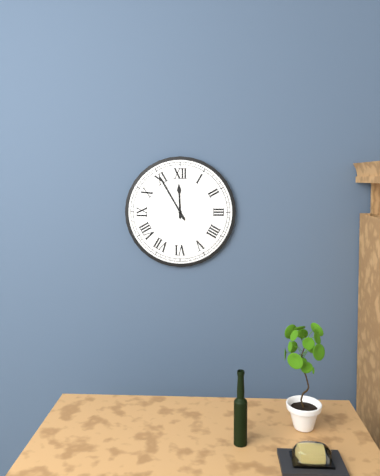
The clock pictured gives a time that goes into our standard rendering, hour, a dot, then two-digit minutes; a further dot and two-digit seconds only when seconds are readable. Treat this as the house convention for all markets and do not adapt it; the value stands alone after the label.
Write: 11.55
